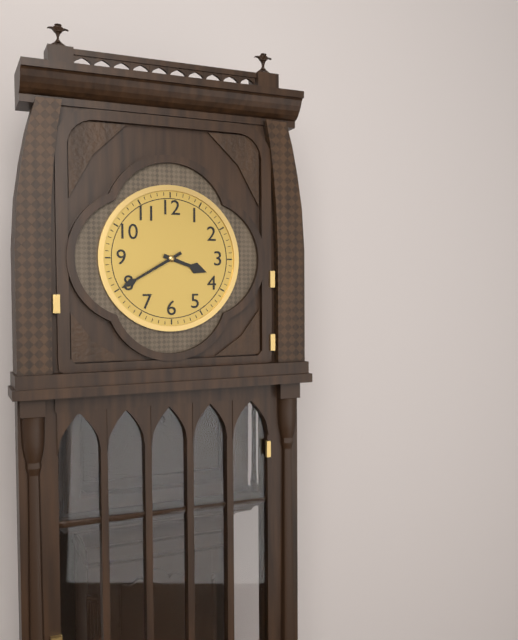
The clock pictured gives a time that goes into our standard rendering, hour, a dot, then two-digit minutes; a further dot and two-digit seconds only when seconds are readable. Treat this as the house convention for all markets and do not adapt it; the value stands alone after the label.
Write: 3.40
